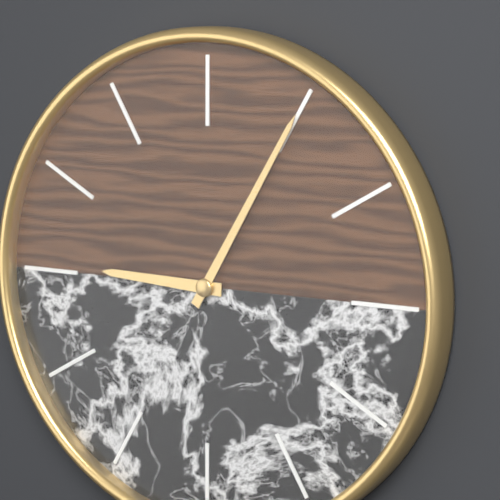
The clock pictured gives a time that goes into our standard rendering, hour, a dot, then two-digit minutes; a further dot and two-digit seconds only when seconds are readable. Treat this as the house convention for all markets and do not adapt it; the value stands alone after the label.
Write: 9.05
